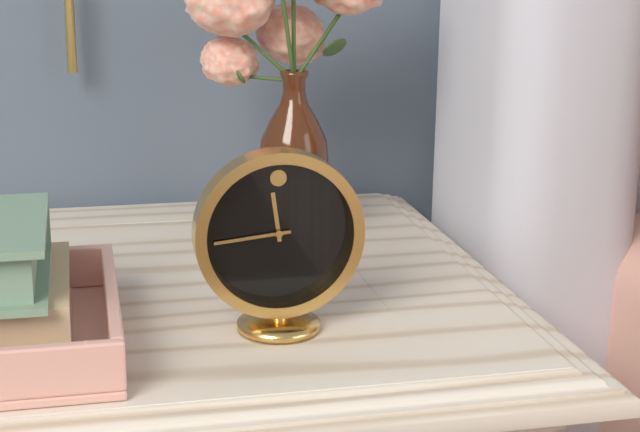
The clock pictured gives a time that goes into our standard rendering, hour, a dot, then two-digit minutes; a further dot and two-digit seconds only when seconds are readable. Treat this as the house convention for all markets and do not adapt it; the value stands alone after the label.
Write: 11.44
